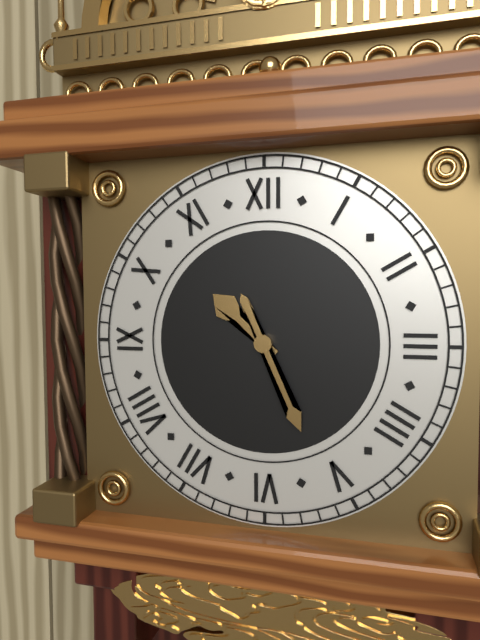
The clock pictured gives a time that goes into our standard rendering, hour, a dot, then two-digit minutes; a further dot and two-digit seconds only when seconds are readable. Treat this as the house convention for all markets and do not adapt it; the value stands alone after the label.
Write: 10.26
